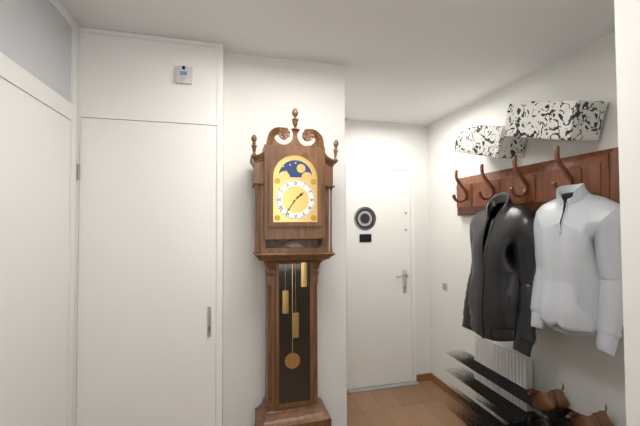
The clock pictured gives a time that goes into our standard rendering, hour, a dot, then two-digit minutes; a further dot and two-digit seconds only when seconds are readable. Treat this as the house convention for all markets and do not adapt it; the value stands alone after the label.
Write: 1.36
